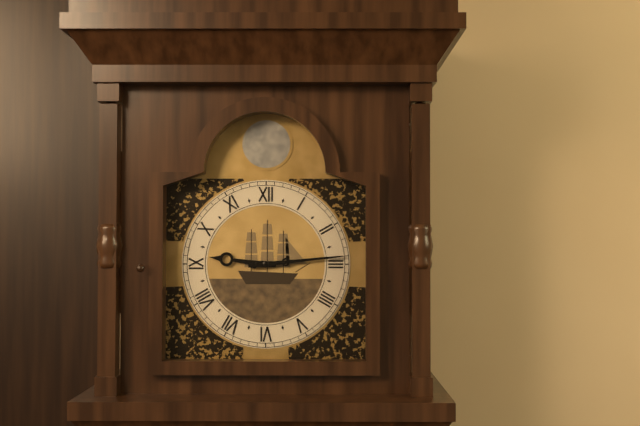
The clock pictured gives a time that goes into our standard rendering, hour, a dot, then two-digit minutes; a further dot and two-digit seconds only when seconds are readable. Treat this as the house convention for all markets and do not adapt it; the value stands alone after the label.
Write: 9.14
